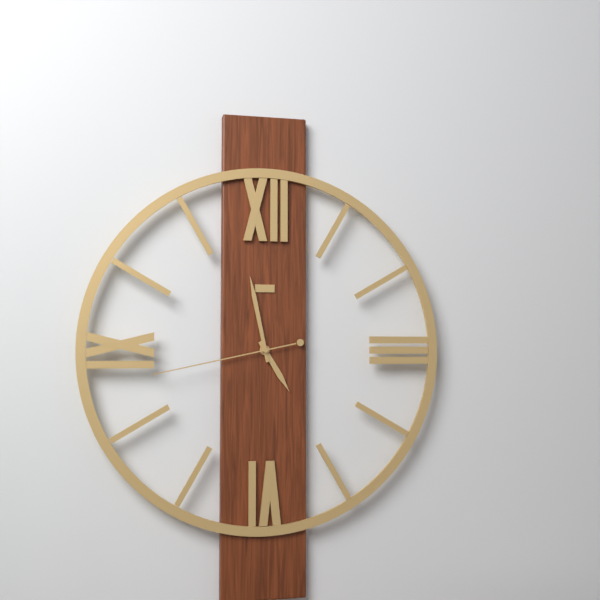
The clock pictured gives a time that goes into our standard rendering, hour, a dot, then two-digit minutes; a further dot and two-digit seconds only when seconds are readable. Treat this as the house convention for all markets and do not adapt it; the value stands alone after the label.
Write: 4.58.43
